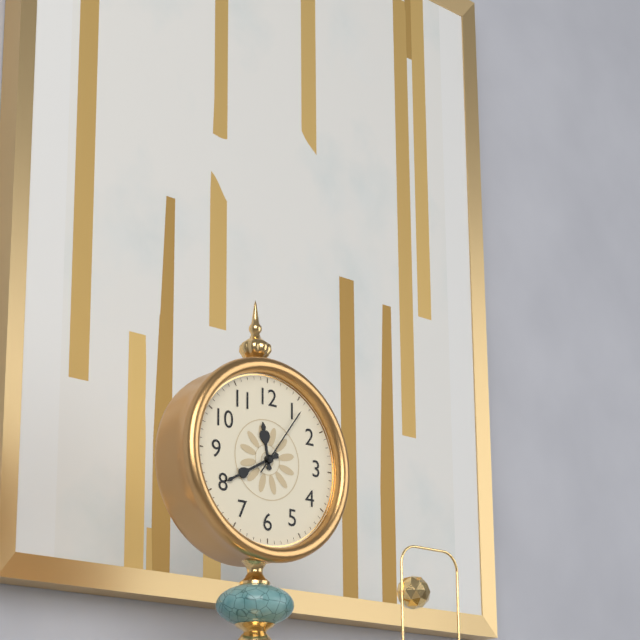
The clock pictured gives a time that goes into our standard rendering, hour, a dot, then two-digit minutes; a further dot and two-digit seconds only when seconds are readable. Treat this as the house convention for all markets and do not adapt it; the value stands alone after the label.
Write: 11.40.06
